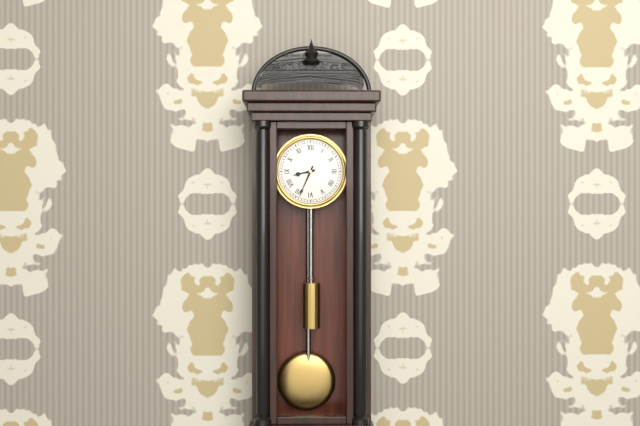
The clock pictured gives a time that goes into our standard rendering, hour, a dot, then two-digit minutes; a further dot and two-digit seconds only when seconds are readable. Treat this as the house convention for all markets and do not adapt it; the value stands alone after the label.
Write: 8.34
